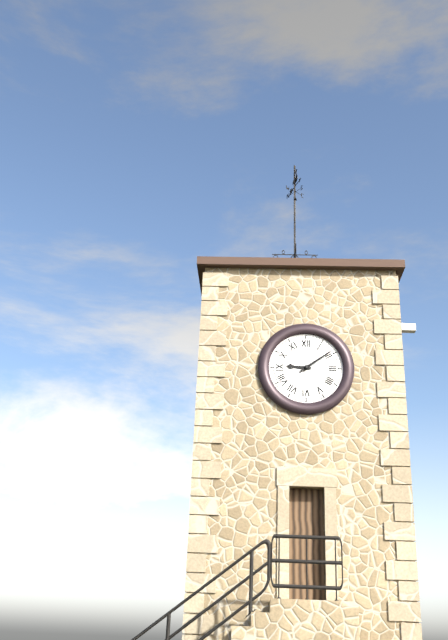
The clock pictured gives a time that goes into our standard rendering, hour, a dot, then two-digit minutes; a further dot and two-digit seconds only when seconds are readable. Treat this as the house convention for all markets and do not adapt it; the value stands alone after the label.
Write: 9.09
